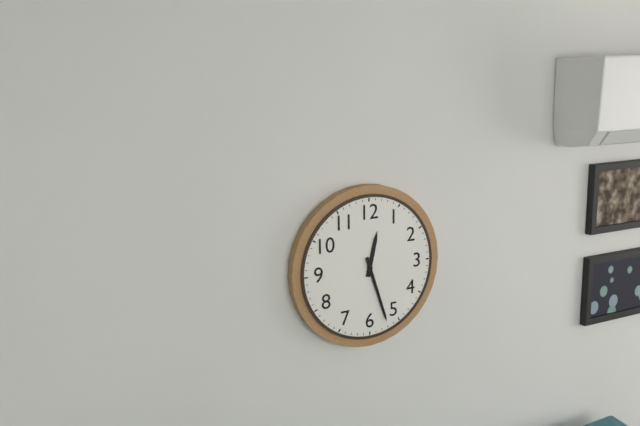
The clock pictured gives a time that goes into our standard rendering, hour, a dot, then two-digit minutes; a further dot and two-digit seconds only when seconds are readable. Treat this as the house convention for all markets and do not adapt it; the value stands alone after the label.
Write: 12.27
